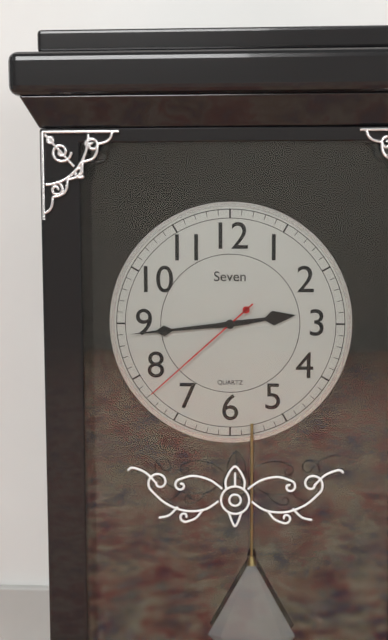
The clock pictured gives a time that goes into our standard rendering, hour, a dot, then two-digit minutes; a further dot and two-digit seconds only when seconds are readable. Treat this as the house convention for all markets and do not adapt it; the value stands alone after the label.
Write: 2.44.38
